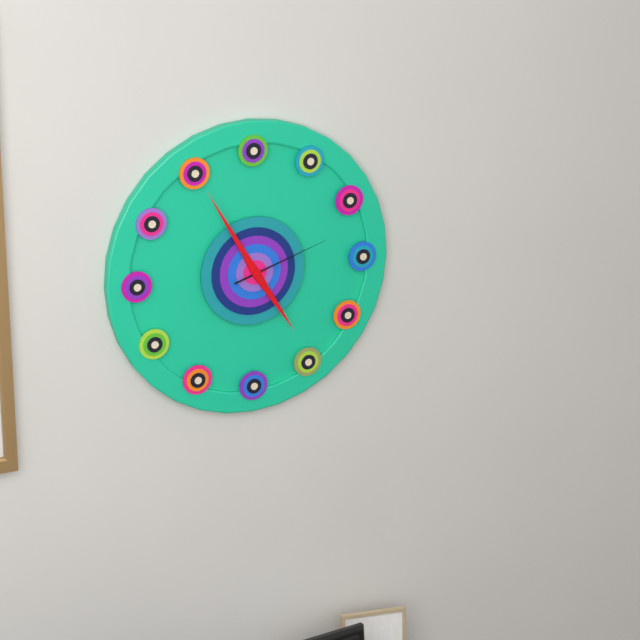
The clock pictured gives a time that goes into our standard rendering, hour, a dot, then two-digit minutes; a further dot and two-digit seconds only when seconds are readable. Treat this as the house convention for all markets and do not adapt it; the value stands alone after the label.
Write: 4.55.12
